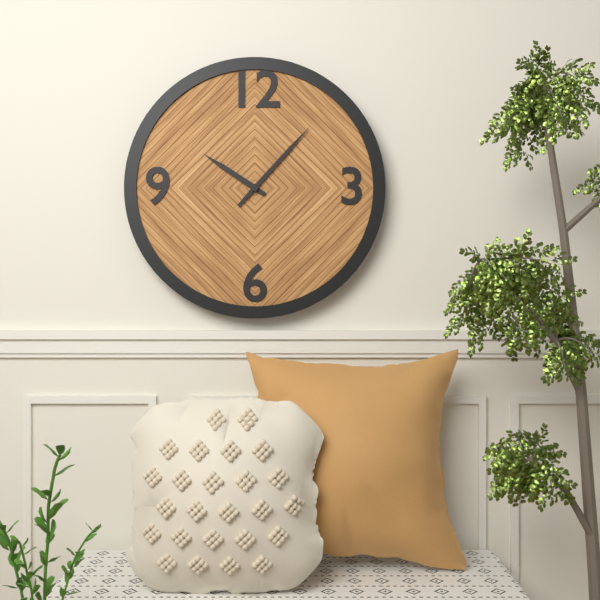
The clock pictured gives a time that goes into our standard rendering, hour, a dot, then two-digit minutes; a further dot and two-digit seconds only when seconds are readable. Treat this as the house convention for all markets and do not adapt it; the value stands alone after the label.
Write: 10.07
